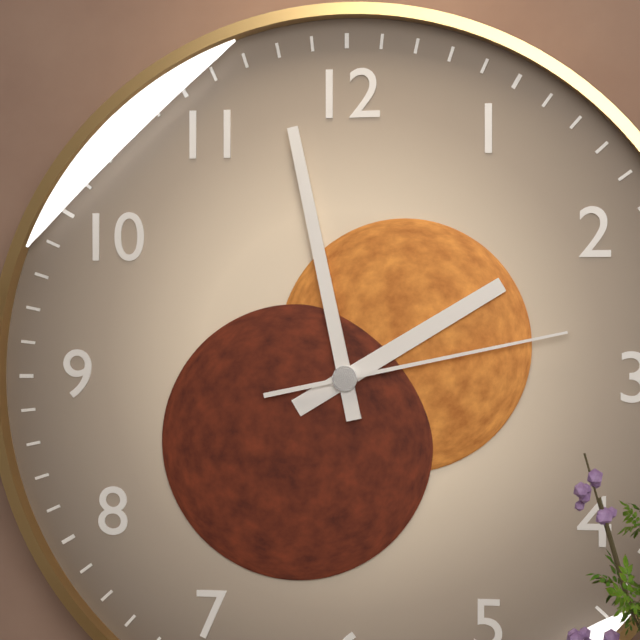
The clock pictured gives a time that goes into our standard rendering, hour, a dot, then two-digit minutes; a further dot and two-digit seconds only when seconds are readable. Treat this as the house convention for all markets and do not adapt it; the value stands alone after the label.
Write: 1.58.13
